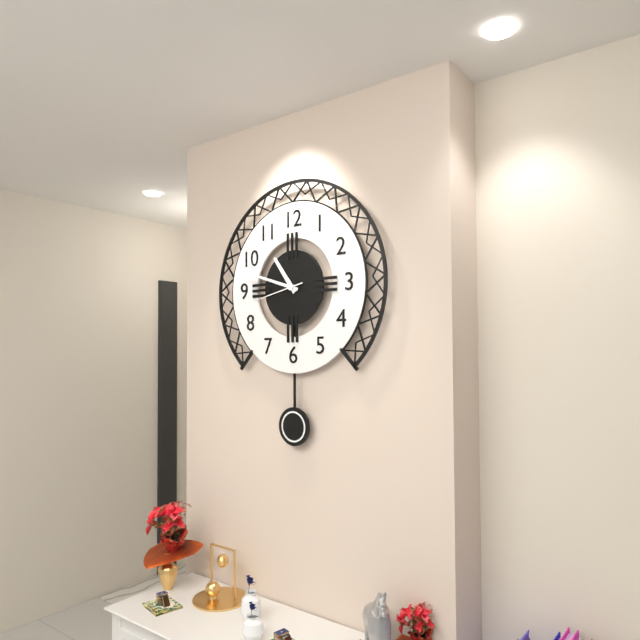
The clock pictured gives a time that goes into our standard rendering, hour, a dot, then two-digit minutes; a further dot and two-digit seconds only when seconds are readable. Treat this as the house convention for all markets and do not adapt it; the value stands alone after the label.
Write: 10.48.43
